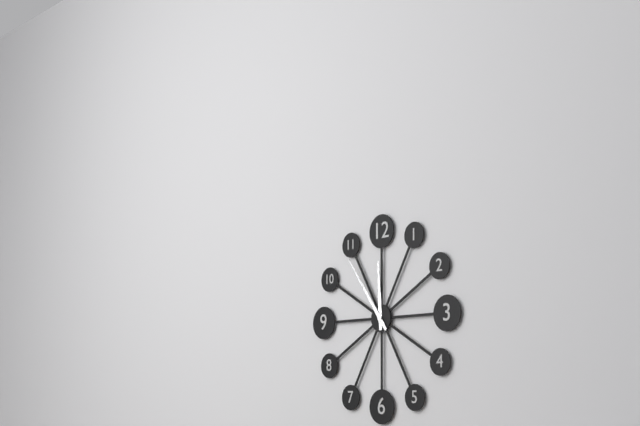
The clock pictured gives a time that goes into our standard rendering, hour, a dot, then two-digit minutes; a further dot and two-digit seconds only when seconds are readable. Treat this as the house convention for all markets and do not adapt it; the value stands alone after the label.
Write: 11.54
